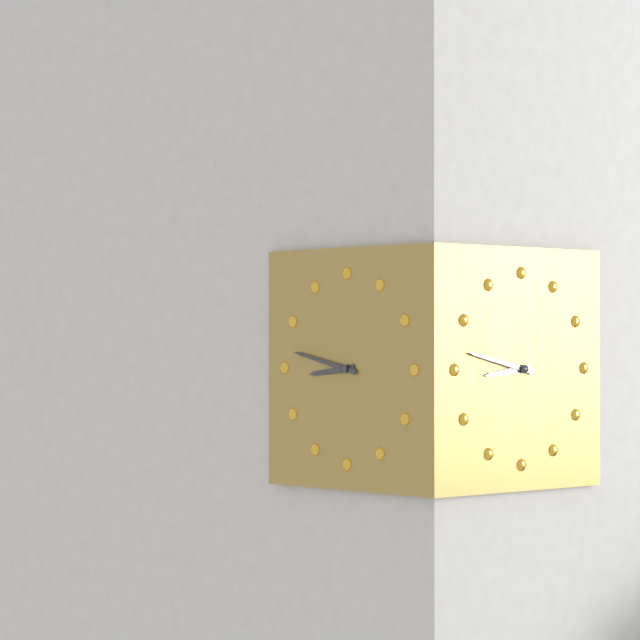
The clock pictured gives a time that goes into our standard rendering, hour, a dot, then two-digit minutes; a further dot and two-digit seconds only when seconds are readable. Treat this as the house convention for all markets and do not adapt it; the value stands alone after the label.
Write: 8.47
